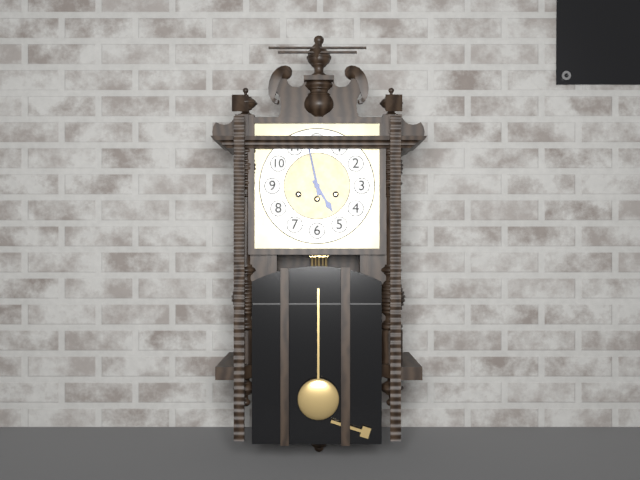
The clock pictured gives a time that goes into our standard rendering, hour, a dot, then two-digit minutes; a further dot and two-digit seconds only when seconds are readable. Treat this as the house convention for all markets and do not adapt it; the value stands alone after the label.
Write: 4.58
